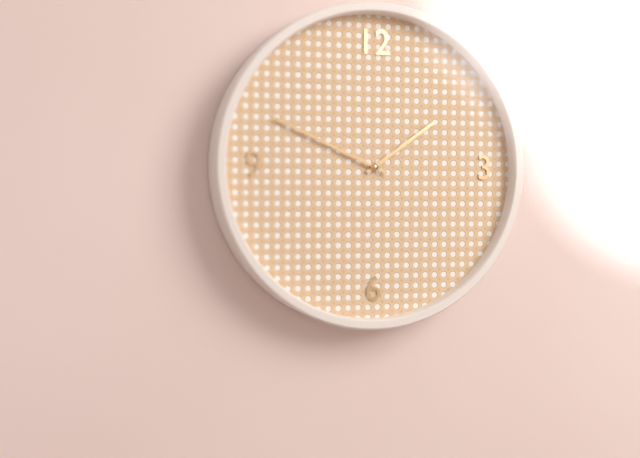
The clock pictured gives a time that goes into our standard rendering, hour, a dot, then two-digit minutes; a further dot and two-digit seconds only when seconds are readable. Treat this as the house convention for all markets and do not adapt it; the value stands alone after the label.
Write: 1.49
